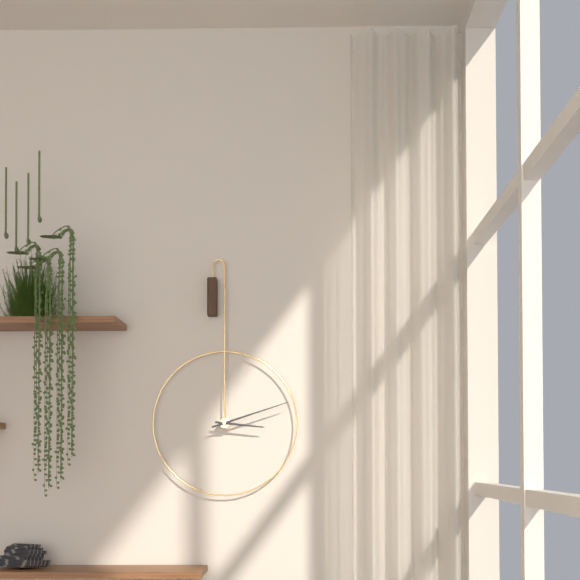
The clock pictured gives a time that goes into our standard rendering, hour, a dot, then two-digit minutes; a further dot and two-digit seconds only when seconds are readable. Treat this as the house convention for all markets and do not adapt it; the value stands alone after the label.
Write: 3.12
